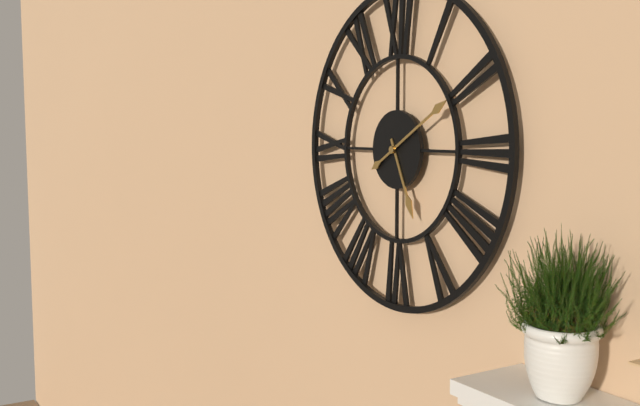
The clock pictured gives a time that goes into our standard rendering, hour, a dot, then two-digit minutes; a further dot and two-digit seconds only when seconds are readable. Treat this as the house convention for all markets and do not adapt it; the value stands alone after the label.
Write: 5.10
